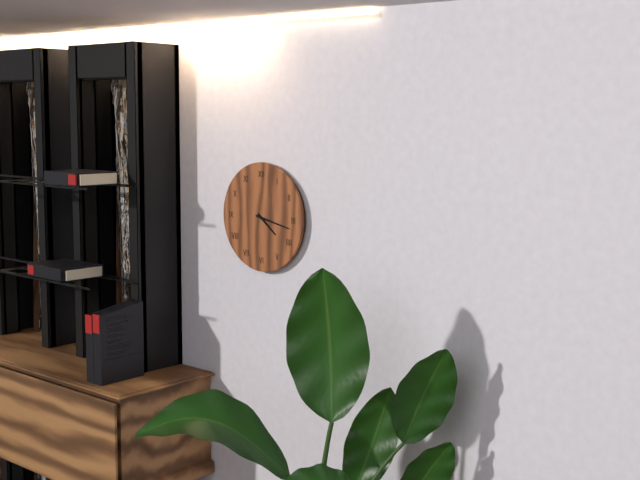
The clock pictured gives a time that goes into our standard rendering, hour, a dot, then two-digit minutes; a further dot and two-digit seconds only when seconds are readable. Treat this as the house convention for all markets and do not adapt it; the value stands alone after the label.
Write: 4.17
